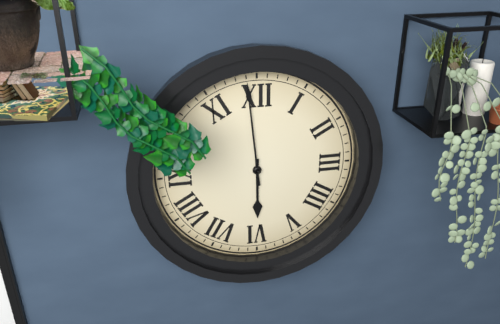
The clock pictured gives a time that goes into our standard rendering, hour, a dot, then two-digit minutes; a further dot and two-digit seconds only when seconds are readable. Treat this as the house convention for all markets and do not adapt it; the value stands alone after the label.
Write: 5.59
